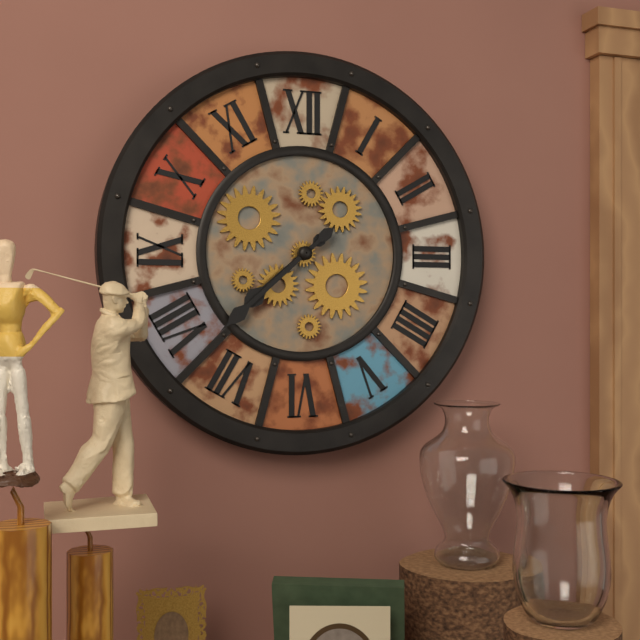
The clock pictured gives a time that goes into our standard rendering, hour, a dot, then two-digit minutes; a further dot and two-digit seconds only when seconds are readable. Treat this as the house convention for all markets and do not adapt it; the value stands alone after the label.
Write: 7.38
